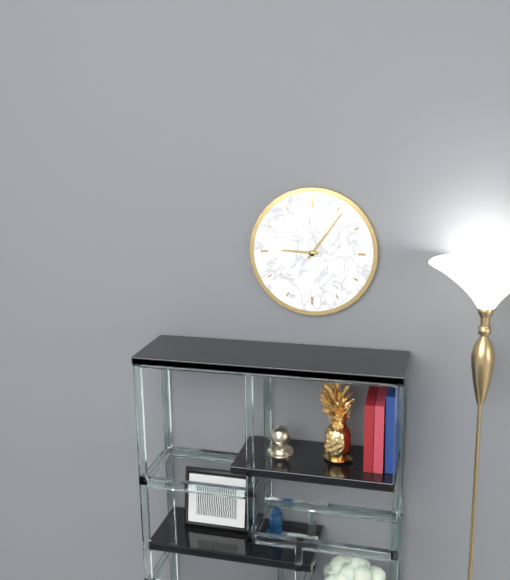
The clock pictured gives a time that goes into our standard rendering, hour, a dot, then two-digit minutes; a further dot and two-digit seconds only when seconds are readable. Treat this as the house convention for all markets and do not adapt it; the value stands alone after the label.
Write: 9.06
